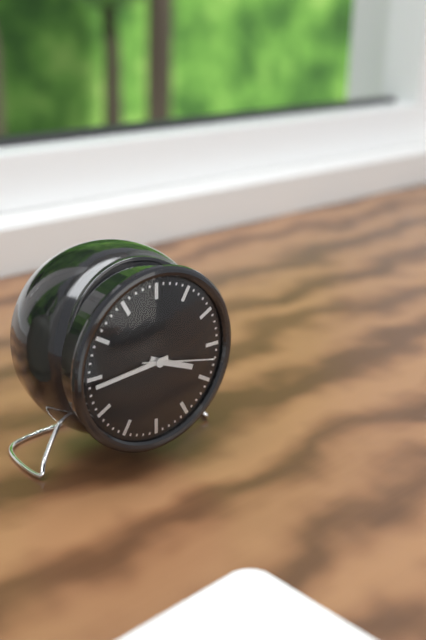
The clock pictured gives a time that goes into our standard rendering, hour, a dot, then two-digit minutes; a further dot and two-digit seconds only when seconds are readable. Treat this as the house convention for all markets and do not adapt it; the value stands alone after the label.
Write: 3.44.17
